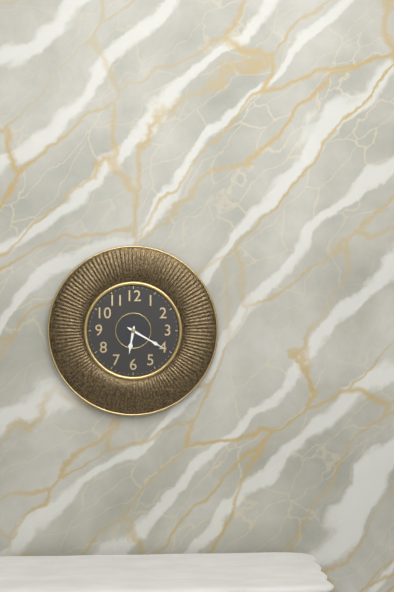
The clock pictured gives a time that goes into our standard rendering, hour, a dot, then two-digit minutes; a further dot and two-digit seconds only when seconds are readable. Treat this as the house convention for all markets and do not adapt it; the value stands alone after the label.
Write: 6.20
